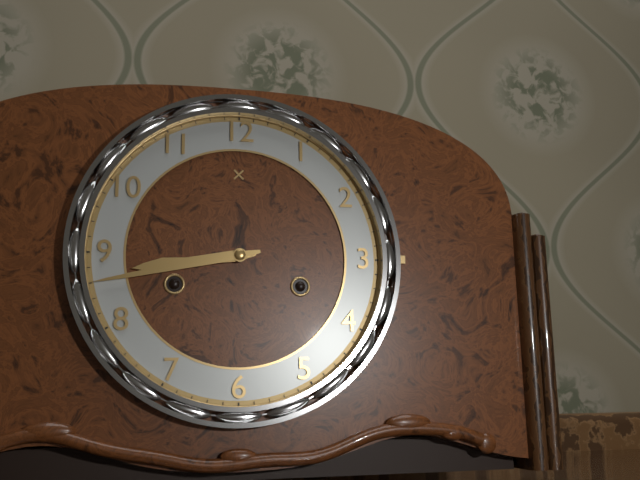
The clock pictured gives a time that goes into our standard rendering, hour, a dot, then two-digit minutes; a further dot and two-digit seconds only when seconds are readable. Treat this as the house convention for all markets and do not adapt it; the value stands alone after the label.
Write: 8.43
